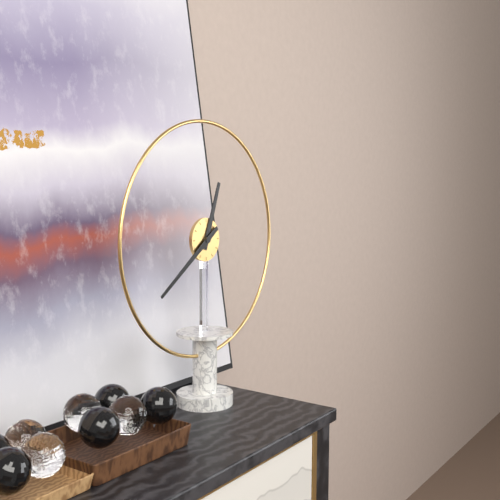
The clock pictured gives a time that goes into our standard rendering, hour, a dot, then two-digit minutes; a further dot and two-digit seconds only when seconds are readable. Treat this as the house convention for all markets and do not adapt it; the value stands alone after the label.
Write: 12.39
